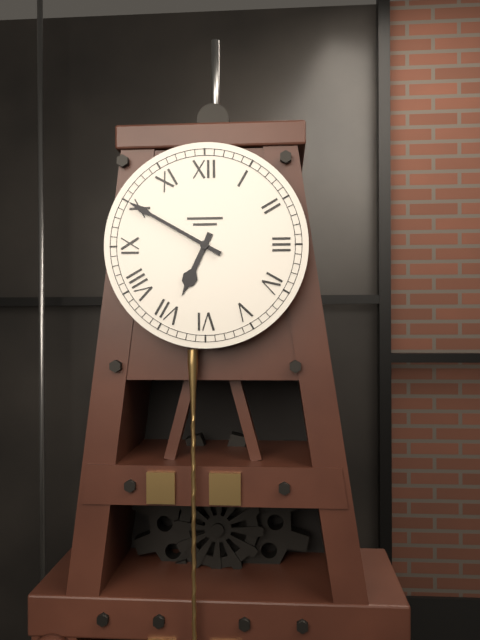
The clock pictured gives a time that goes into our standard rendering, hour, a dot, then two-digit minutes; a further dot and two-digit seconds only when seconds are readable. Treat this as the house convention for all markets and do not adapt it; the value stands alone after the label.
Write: 6.50
